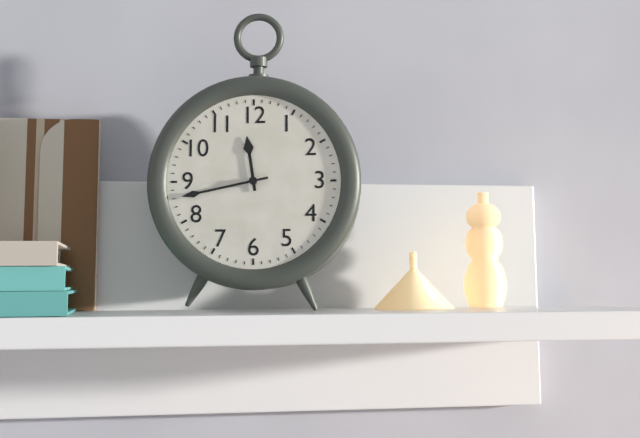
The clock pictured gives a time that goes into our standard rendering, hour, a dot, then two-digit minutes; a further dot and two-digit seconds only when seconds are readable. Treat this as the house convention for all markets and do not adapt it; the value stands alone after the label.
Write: 11.43
